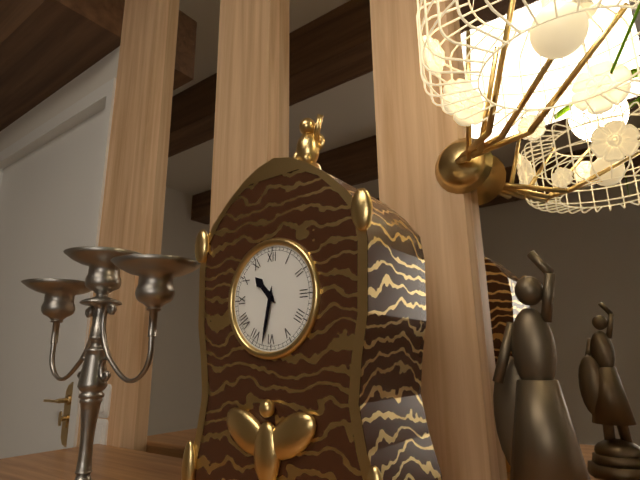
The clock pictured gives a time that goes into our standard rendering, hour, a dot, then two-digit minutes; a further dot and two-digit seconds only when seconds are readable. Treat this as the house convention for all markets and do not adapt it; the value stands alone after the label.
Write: 10.32
